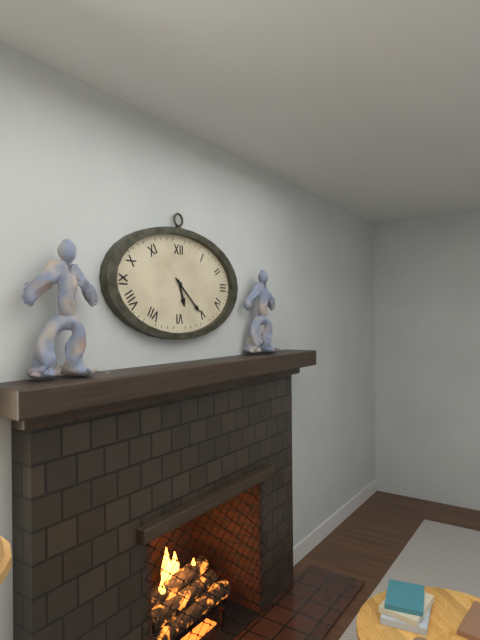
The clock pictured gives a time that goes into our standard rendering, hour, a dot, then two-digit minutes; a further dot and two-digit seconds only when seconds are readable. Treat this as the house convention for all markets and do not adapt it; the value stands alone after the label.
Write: 5.22
